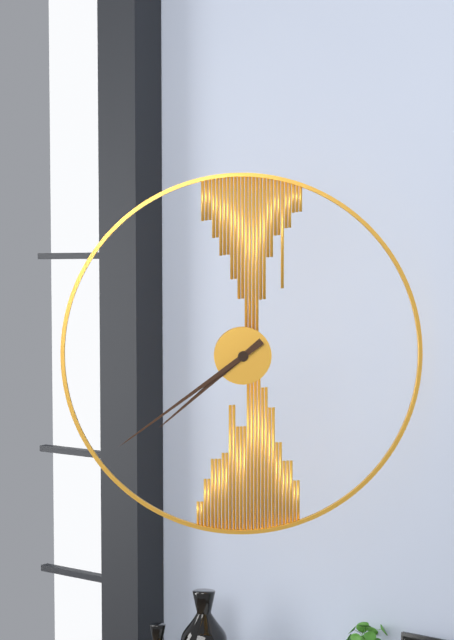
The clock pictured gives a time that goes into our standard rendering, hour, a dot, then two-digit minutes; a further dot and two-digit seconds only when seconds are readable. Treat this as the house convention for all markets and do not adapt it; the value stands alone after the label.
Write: 7.39
